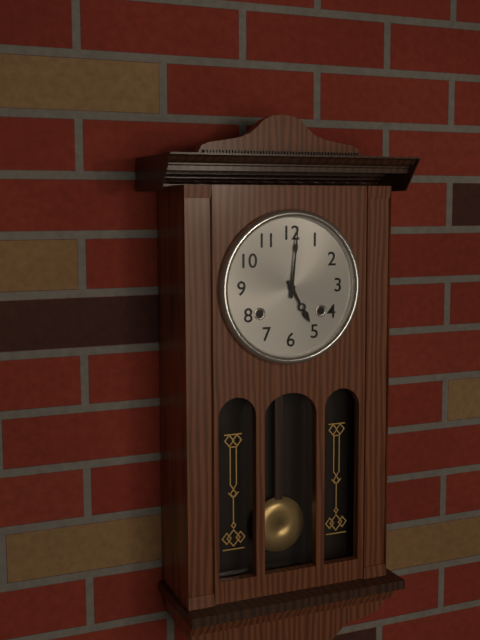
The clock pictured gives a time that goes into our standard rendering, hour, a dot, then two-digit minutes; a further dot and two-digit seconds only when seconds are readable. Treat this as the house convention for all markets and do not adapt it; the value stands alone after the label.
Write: 5.01
